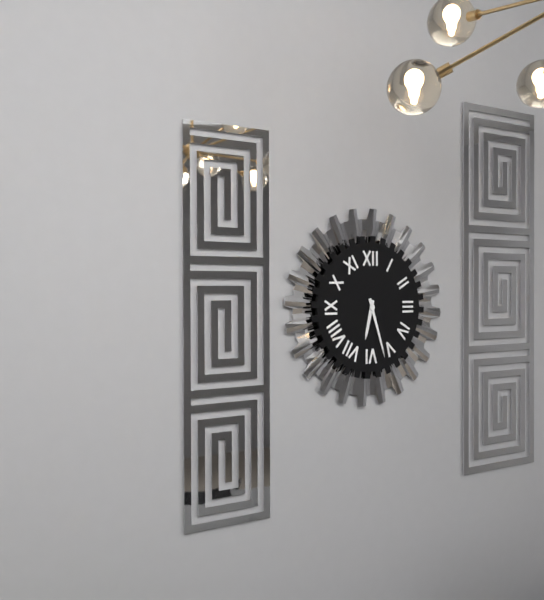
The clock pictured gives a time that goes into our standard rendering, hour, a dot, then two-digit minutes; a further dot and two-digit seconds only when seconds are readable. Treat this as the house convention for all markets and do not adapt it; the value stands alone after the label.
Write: 6.27
